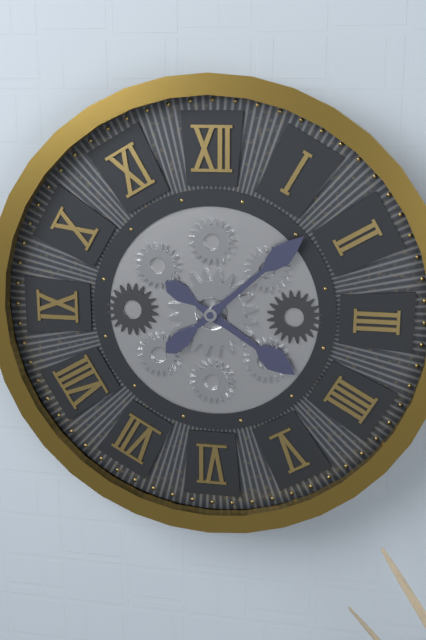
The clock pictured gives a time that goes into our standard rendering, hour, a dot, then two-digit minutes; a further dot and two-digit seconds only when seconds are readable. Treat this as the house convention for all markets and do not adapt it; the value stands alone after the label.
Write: 4.08
